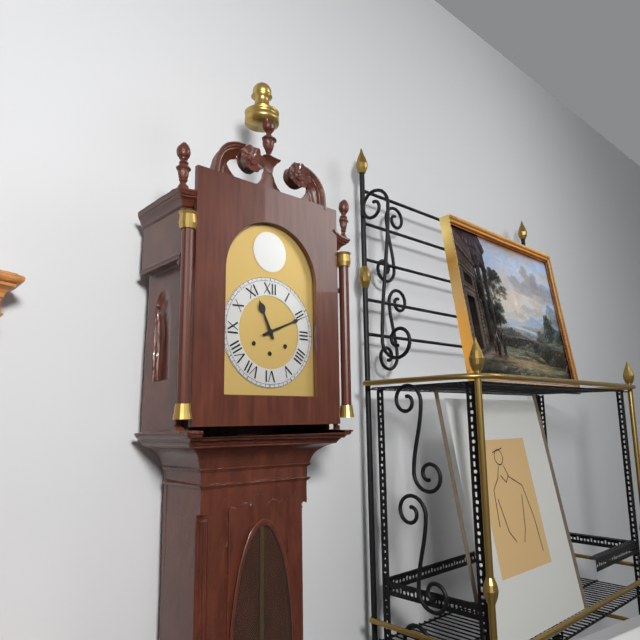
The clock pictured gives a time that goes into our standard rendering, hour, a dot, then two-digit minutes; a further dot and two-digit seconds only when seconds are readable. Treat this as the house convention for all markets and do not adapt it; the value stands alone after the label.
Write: 11.11
